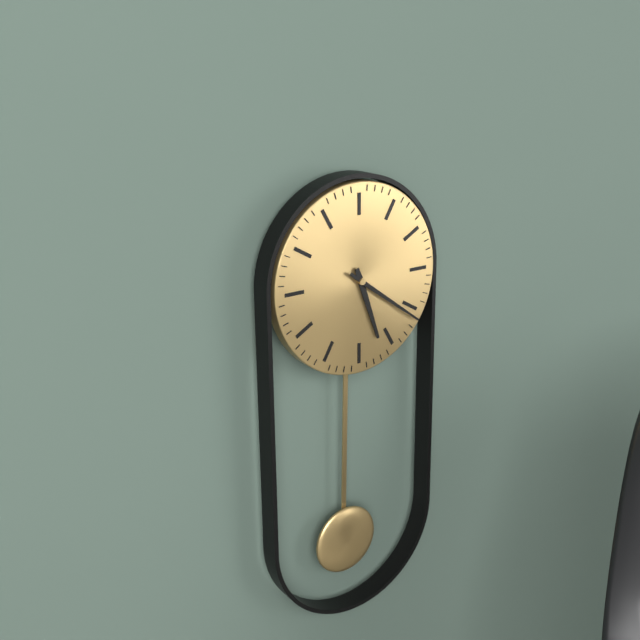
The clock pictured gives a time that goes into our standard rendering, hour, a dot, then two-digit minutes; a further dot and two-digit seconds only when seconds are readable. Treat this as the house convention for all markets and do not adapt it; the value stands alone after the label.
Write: 5.21
